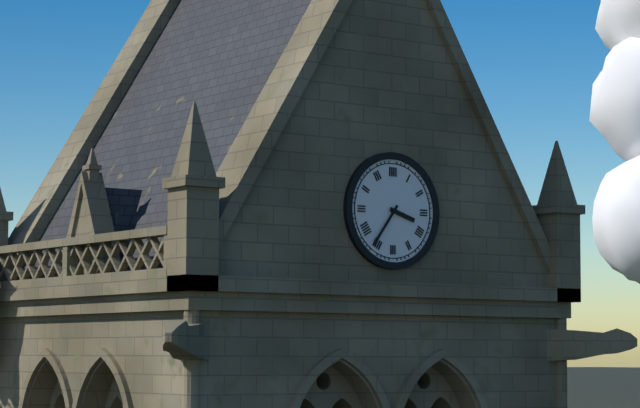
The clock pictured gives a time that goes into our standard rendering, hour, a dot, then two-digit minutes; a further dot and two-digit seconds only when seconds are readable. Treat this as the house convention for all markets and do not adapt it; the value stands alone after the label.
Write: 3.36
